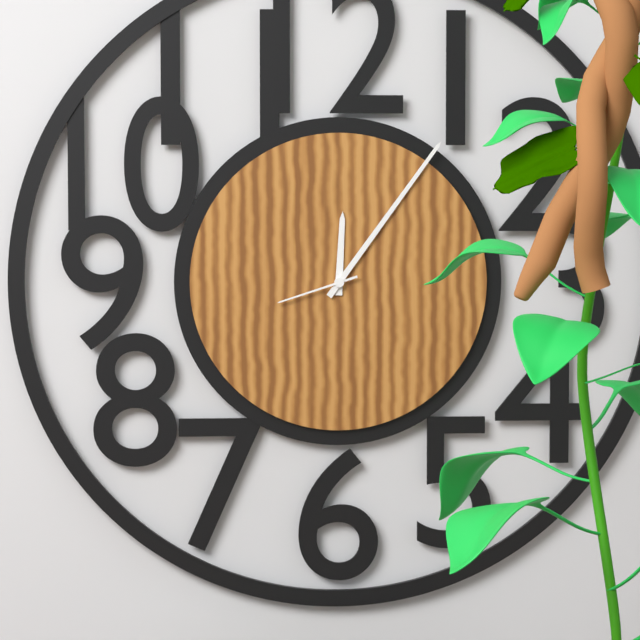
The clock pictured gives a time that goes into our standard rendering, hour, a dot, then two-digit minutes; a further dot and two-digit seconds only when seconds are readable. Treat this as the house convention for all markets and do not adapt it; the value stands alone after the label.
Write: 12.06.42
